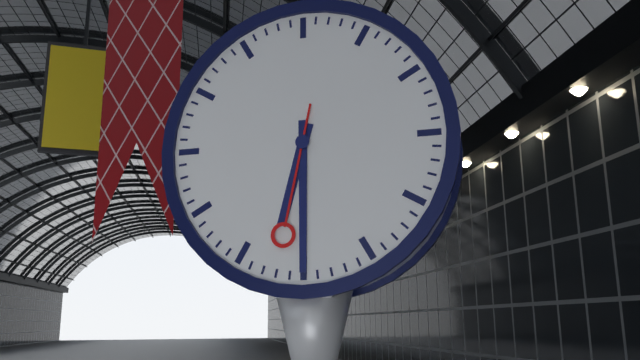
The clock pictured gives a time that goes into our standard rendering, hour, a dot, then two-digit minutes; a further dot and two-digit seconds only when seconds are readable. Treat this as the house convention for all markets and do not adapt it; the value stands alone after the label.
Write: 6.30.32
